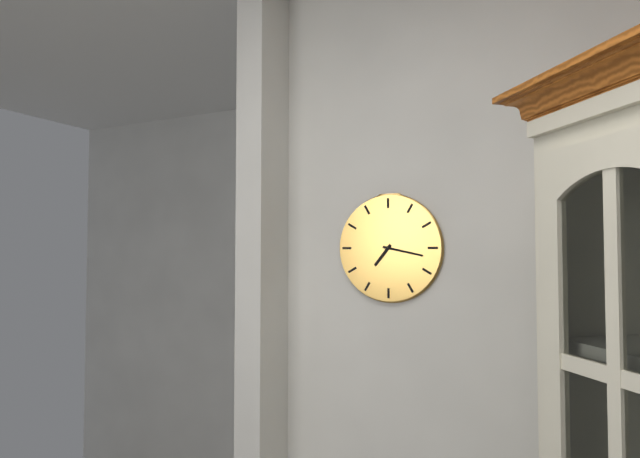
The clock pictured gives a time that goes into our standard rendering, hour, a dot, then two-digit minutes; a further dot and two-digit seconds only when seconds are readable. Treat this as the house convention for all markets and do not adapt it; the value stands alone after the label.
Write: 7.17
